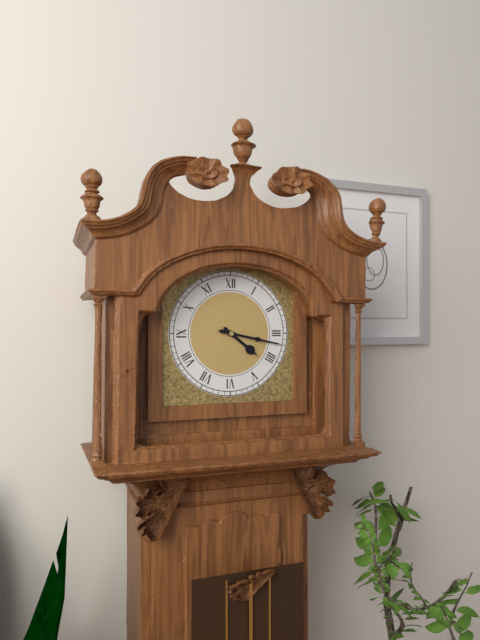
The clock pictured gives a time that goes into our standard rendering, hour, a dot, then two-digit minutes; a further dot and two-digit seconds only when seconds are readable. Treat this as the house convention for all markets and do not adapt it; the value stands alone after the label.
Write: 4.17
